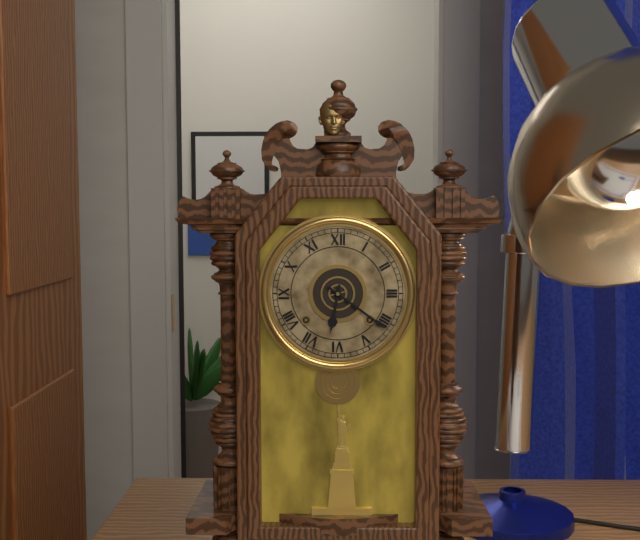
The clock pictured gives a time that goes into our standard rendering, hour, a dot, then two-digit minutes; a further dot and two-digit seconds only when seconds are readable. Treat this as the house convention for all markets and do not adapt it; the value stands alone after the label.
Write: 6.21
